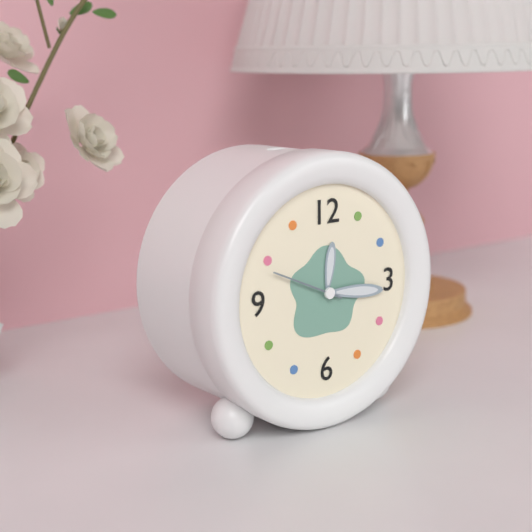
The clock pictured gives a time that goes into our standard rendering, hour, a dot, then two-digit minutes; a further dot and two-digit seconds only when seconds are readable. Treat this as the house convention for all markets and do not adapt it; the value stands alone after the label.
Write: 12.16.49
